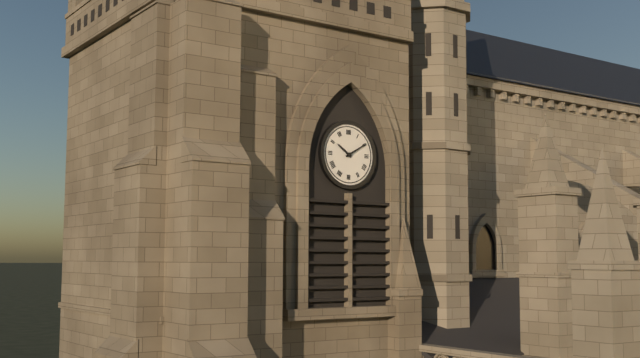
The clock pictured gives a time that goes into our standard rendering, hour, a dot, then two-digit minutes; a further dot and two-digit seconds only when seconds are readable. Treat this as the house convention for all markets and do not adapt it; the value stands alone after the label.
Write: 10.10
